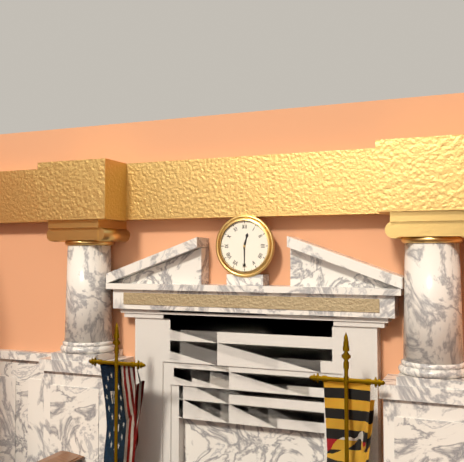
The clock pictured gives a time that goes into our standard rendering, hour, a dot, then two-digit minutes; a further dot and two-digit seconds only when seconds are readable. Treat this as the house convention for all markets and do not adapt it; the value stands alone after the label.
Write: 12.30
